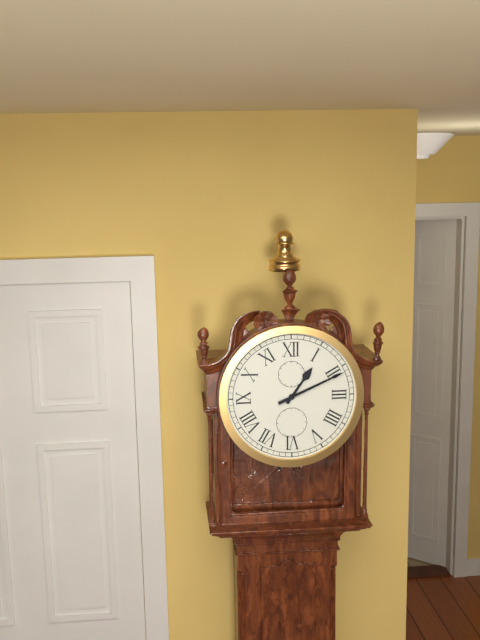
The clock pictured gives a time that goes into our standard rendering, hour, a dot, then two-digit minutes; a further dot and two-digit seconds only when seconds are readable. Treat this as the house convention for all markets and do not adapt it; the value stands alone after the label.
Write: 1.11
